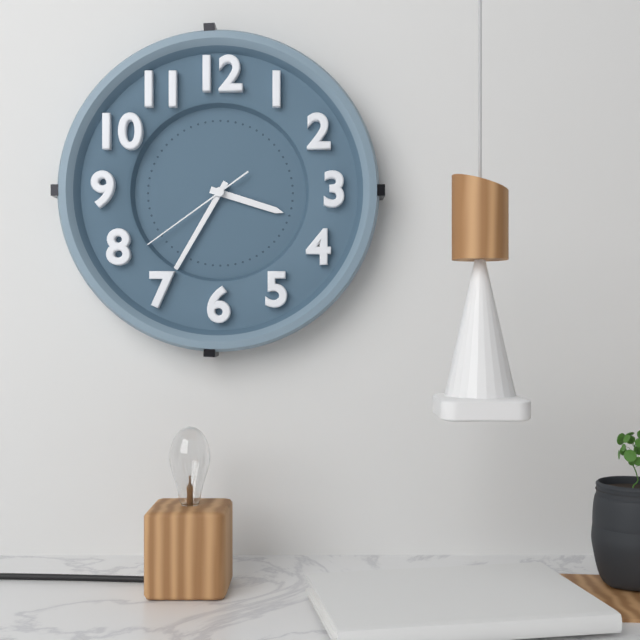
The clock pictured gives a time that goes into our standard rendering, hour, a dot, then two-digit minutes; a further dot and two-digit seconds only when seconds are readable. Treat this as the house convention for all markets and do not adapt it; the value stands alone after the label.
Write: 3.35.39
